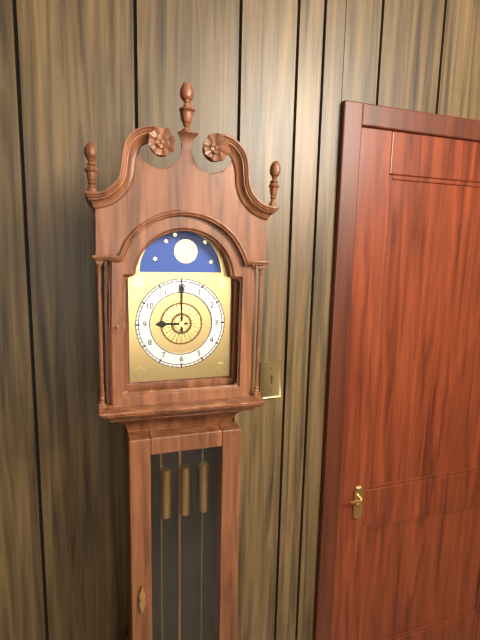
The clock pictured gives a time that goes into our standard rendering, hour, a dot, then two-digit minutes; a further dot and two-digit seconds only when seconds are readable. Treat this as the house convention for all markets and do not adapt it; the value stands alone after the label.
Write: 9.00
